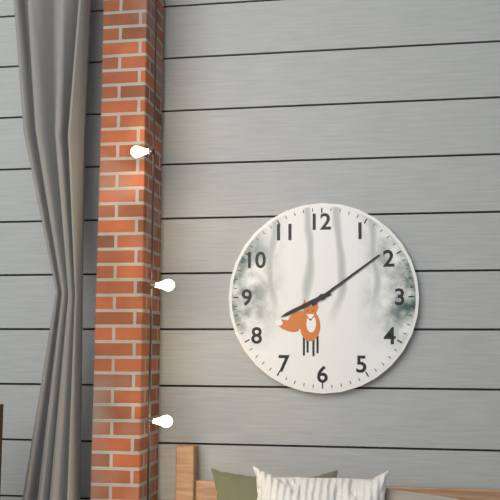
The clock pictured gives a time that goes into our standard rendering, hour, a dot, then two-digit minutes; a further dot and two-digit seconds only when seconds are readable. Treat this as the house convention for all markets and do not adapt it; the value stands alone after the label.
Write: 8.09
